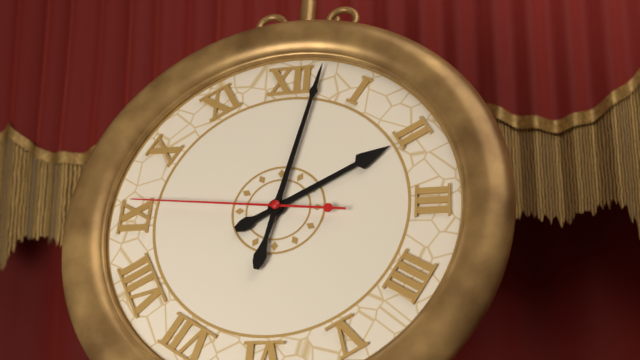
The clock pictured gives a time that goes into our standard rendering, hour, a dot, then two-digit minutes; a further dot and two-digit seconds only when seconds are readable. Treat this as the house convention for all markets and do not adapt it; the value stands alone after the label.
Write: 2.02.46
